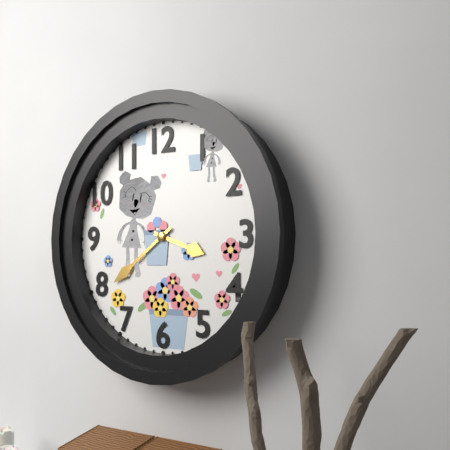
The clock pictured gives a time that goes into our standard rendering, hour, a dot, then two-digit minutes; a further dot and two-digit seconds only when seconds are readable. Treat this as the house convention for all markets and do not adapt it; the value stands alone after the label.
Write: 3.39
